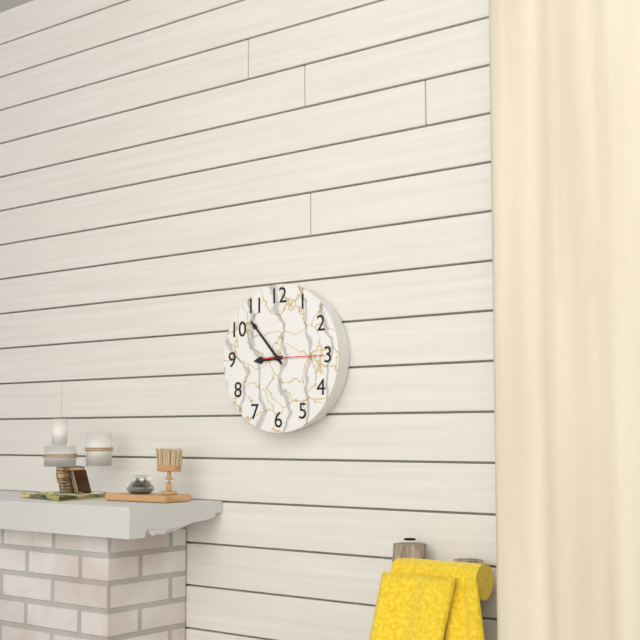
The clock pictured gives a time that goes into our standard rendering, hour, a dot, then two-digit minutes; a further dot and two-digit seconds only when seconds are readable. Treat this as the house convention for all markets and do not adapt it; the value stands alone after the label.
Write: 8.53.15
